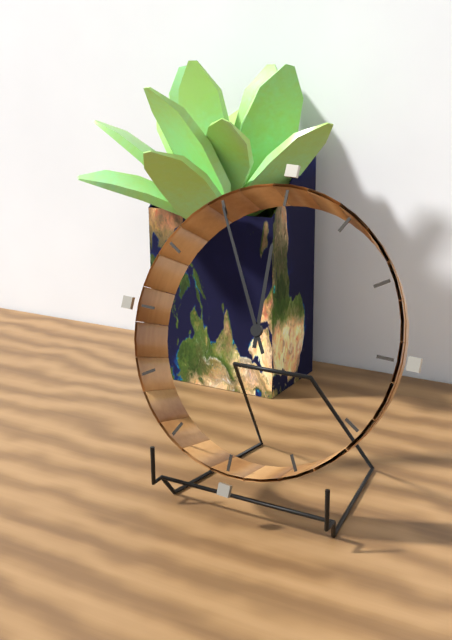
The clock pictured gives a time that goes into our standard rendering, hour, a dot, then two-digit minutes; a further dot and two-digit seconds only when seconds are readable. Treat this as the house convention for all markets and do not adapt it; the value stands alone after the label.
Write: 11.55
